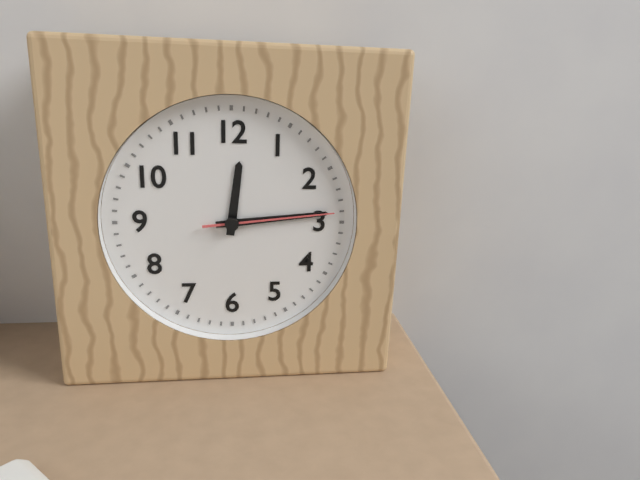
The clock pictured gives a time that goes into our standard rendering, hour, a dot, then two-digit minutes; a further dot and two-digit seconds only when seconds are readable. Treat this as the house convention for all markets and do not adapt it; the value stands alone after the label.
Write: 12.14.14
